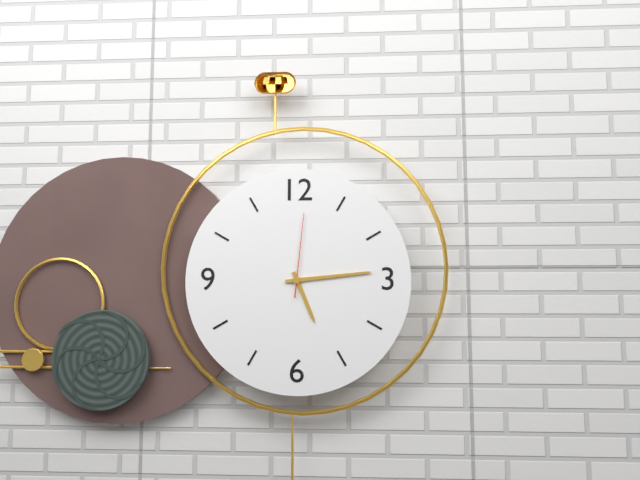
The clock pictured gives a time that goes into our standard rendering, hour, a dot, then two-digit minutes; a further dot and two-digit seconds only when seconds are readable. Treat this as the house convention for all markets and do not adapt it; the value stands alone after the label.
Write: 5.14.01
